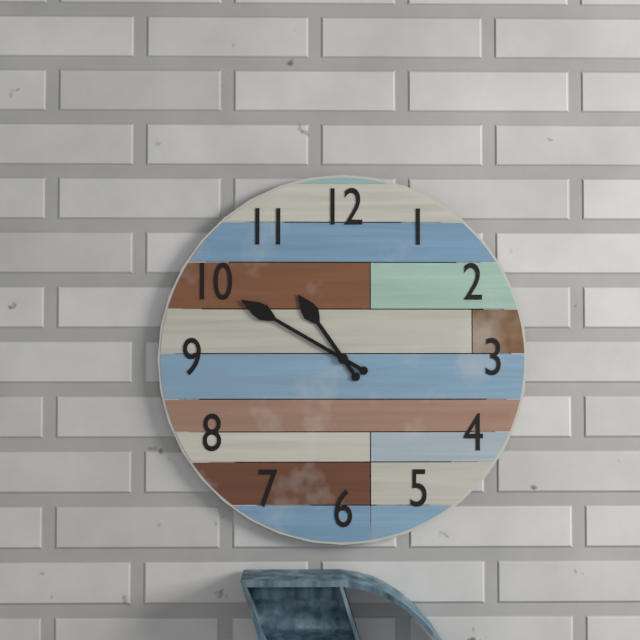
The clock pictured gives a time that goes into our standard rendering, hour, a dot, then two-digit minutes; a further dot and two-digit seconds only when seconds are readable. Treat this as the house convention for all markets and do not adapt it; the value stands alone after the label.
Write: 10.50
